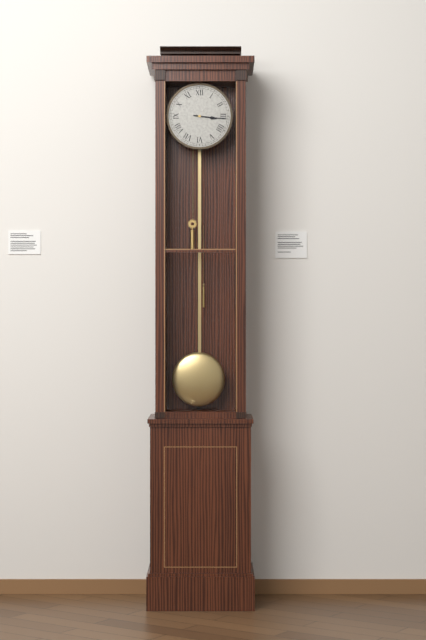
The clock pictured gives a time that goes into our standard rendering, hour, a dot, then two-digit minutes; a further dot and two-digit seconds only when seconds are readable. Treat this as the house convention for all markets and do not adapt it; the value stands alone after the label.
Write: 3.16
